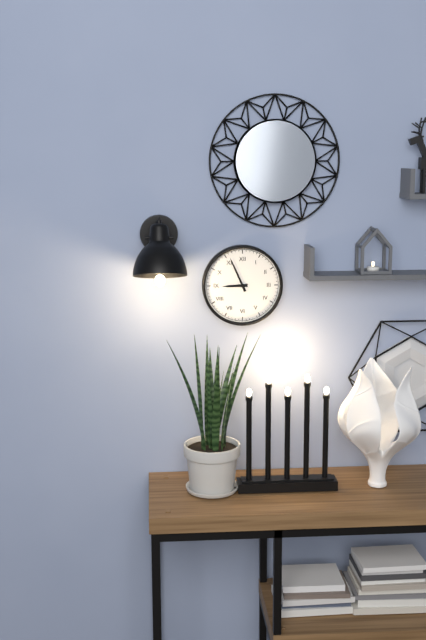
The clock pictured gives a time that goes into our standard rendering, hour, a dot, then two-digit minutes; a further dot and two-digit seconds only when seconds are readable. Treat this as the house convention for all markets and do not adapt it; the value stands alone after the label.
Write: 8.56
